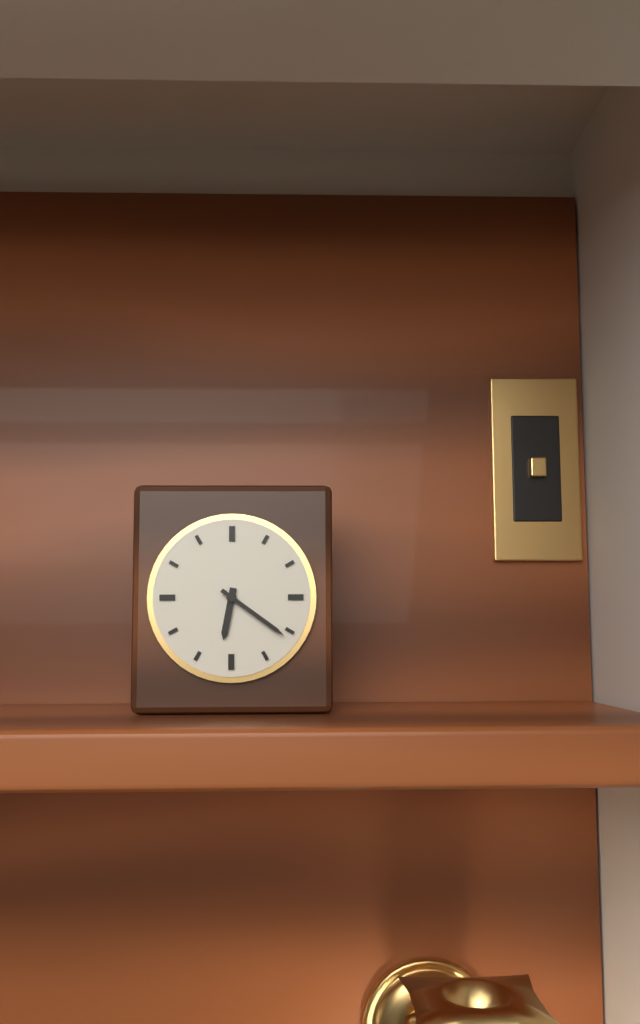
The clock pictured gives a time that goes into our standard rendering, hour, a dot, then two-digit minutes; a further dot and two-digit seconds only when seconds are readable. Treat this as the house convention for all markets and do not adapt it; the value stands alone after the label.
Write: 6.21
